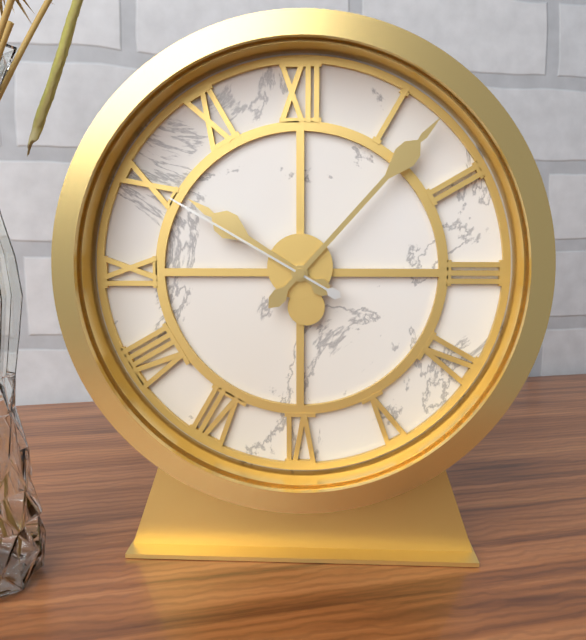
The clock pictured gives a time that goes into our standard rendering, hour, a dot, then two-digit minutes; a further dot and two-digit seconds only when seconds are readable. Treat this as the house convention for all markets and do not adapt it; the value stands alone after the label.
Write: 10.07.50
